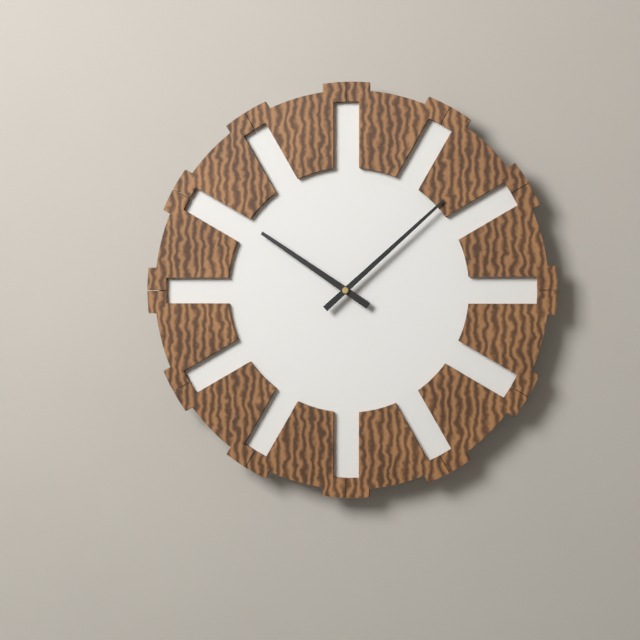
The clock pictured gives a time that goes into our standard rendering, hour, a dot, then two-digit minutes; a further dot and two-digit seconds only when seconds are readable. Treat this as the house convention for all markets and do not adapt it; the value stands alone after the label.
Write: 10.08
